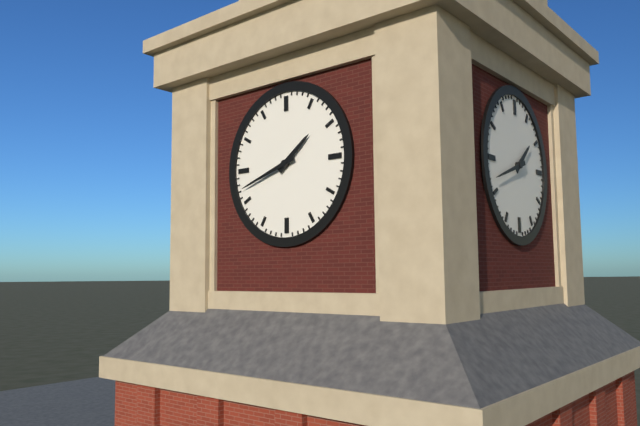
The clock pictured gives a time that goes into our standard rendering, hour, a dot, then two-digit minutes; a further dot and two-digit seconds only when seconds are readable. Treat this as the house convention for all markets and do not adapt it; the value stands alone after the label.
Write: 1.42
